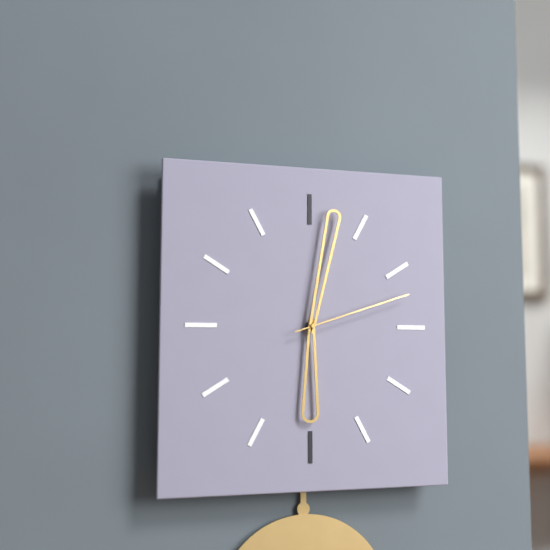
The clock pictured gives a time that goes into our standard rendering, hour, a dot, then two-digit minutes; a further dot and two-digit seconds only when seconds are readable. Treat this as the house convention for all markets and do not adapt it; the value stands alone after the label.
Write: 6.02.12
